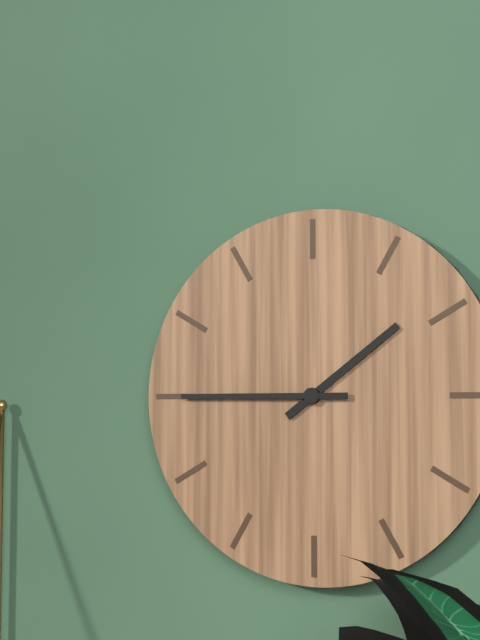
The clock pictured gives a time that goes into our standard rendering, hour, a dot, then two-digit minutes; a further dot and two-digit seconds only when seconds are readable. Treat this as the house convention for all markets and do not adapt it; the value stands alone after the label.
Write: 1.45
